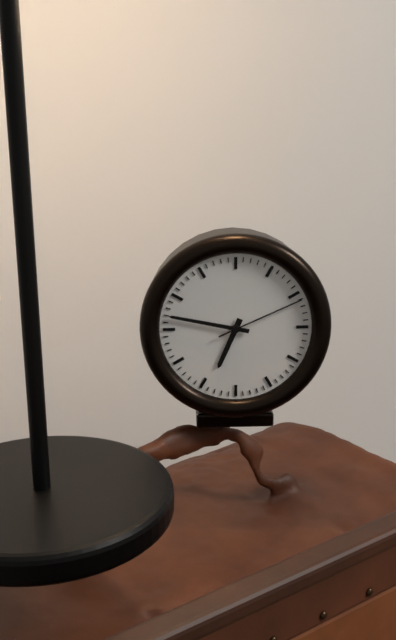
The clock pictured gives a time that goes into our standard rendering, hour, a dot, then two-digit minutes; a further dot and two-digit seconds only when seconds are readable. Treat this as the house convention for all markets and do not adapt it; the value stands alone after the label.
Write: 6.47.11
